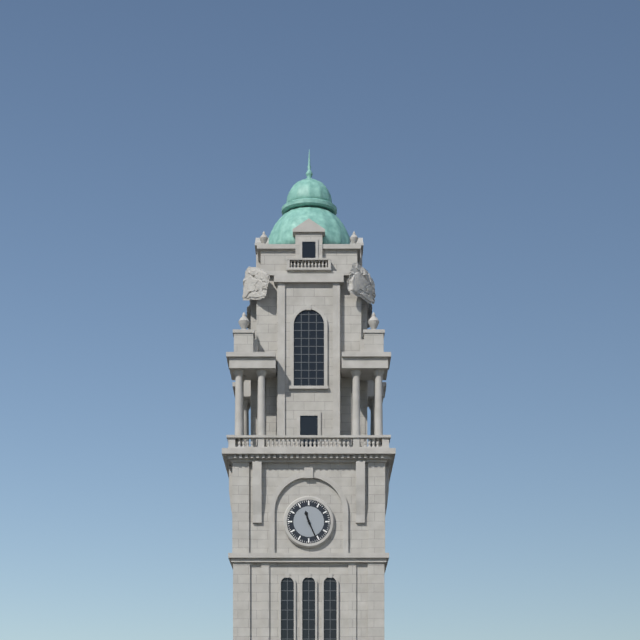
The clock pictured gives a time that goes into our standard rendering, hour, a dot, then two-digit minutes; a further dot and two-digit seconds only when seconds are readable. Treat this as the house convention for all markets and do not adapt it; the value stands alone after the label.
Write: 11.26
